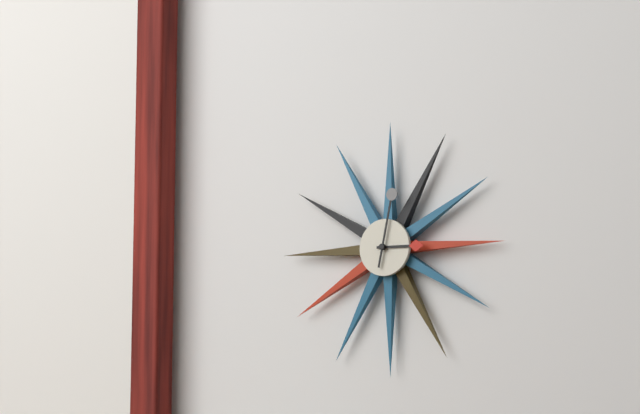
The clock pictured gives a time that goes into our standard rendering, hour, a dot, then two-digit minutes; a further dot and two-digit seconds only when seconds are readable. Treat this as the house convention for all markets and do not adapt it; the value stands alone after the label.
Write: 3.02
